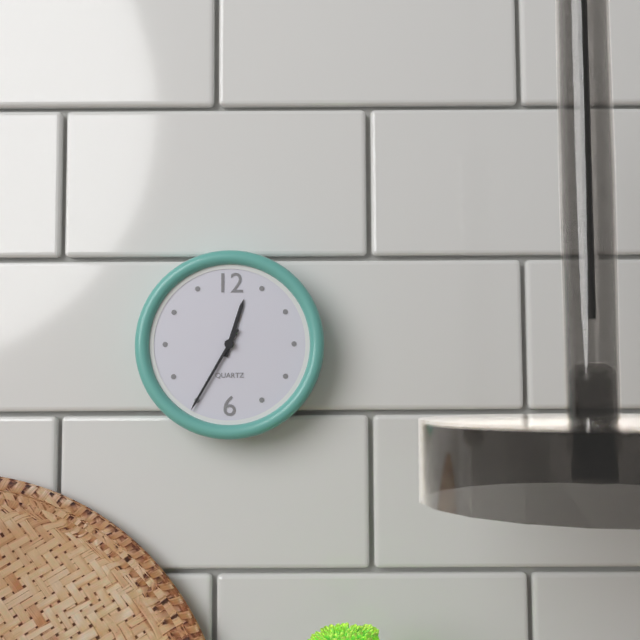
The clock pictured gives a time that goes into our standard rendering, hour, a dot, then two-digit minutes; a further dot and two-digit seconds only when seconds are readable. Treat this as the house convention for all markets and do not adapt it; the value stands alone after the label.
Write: 12.35
